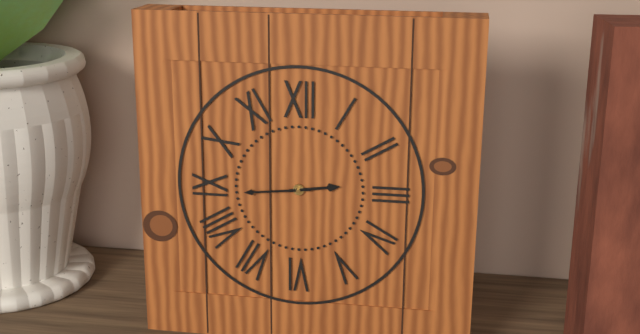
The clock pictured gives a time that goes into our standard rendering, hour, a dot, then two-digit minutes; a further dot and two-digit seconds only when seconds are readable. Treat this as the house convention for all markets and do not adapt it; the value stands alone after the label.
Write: 2.44
